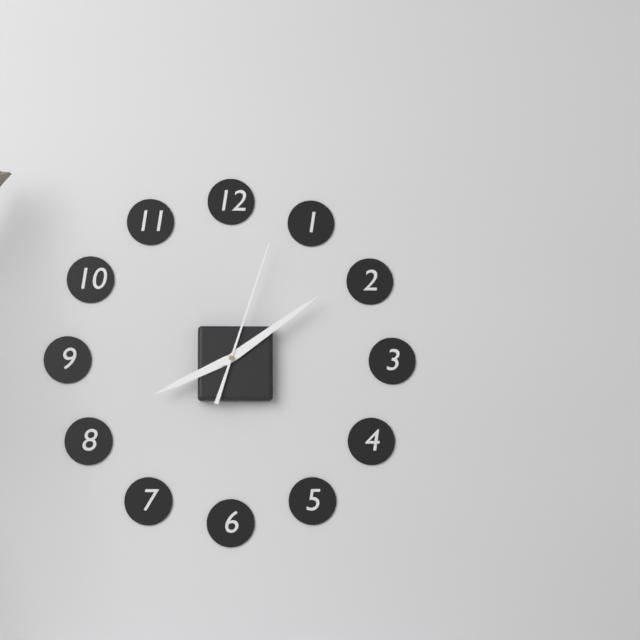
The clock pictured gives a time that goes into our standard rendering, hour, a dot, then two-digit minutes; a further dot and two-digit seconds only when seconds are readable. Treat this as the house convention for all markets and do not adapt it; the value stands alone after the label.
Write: 8.09.03
